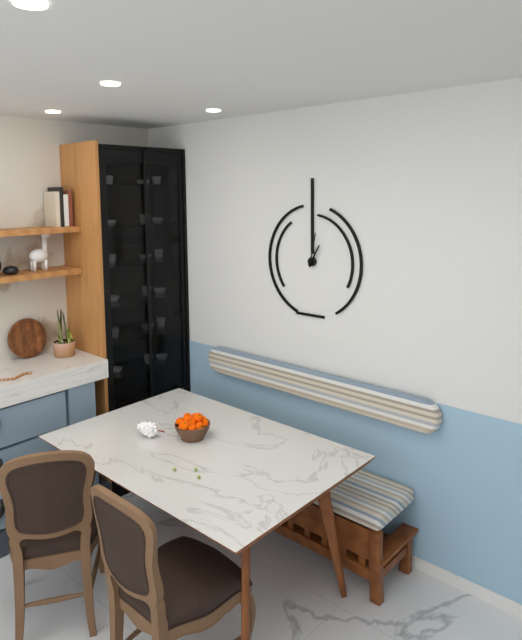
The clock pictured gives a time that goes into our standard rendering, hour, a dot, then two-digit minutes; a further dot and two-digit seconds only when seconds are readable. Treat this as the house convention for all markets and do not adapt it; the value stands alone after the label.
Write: 1.02
